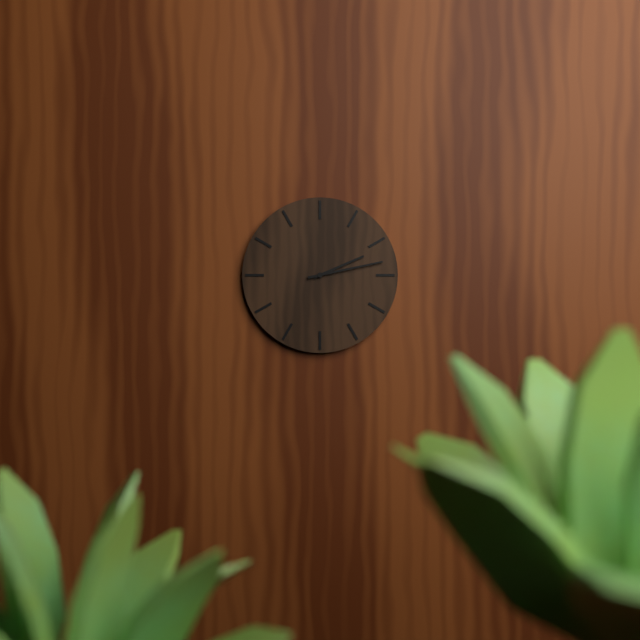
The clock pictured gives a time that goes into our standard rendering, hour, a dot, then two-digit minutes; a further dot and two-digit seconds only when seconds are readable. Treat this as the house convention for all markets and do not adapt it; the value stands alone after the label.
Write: 2.13
